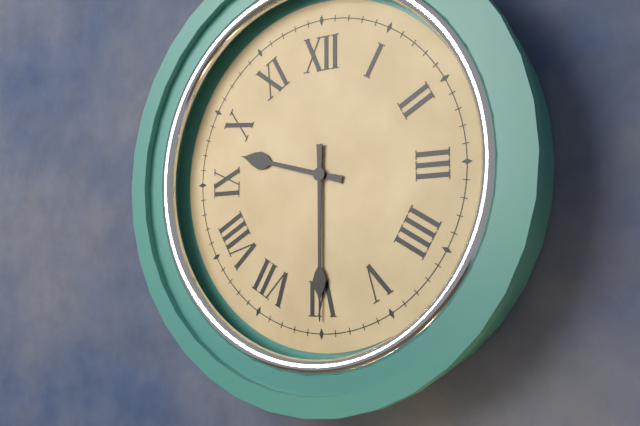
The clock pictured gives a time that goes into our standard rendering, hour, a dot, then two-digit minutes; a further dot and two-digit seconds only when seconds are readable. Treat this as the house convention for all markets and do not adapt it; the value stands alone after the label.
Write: 9.30
